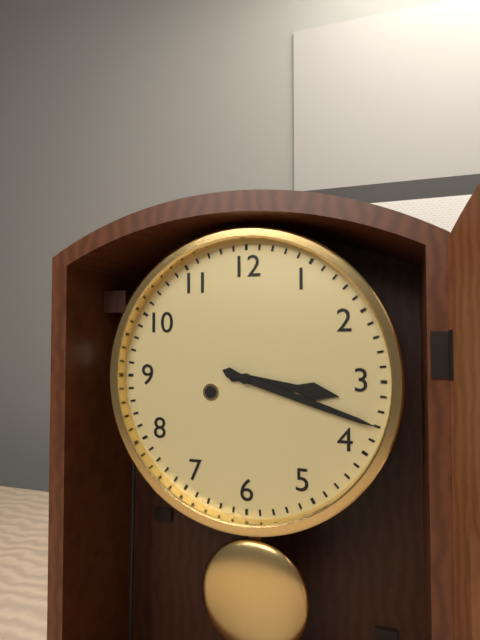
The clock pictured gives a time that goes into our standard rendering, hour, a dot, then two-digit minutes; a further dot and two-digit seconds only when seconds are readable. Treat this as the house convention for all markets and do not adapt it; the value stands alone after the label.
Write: 3.18
